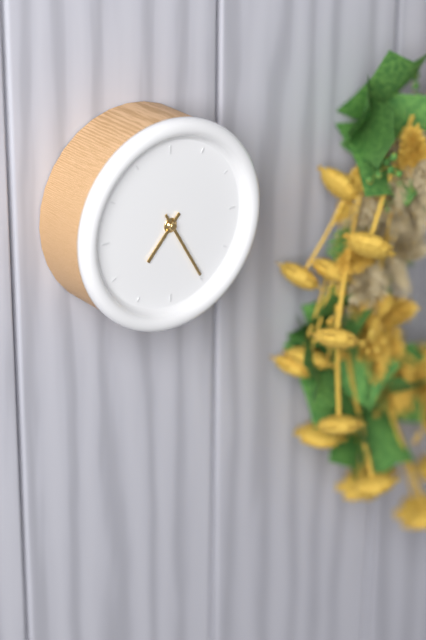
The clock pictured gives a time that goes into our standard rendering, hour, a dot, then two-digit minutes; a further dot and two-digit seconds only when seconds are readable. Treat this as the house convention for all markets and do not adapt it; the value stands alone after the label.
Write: 7.25
